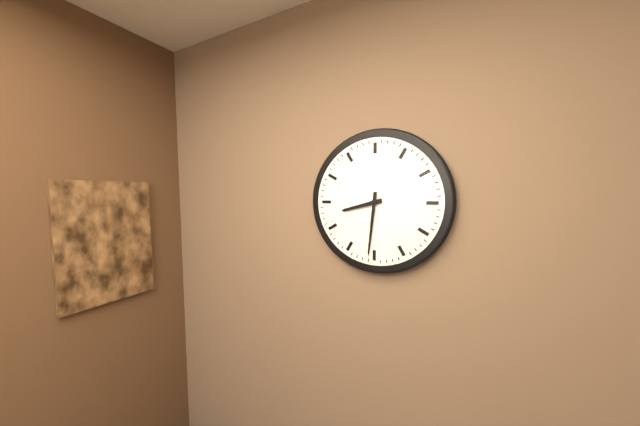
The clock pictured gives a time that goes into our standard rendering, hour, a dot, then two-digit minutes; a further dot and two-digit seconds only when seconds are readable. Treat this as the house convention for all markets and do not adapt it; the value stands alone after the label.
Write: 8.31
